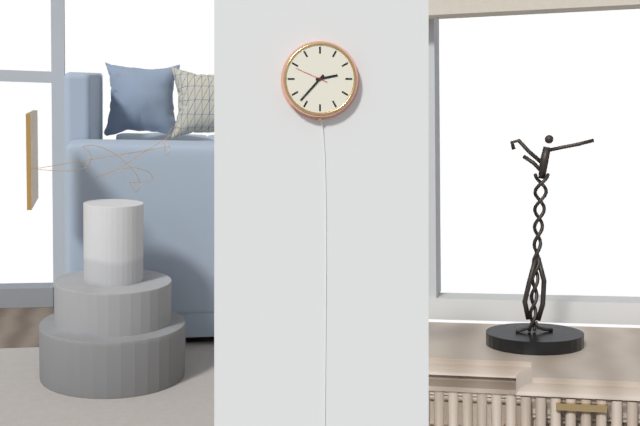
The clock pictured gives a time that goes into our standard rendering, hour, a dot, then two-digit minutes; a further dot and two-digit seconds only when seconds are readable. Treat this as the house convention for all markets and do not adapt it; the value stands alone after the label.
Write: 2.37
